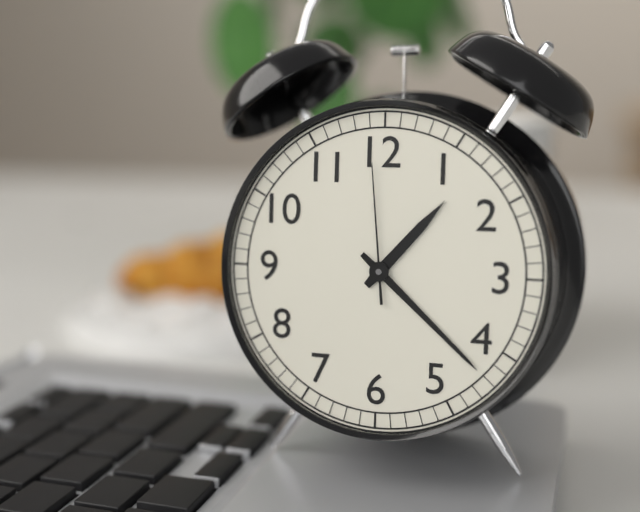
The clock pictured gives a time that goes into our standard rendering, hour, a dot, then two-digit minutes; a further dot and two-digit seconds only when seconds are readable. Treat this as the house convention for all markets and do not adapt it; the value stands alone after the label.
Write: 1.22.59
